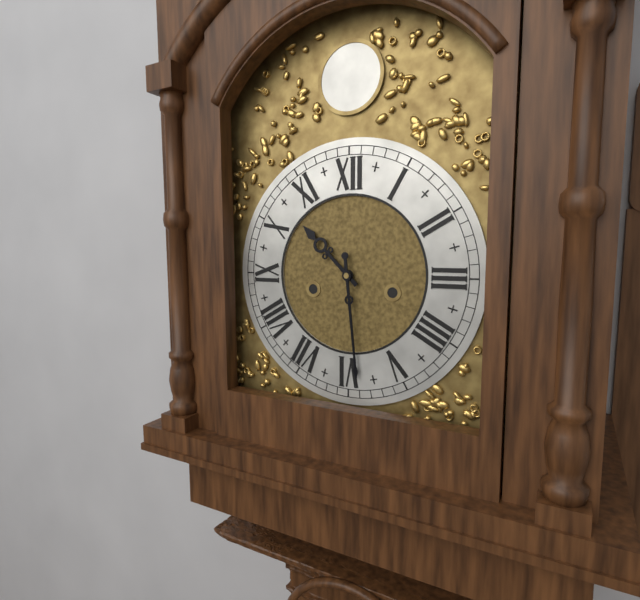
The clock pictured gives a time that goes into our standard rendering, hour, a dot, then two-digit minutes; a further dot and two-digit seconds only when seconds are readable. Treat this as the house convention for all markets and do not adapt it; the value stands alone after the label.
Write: 10.29
